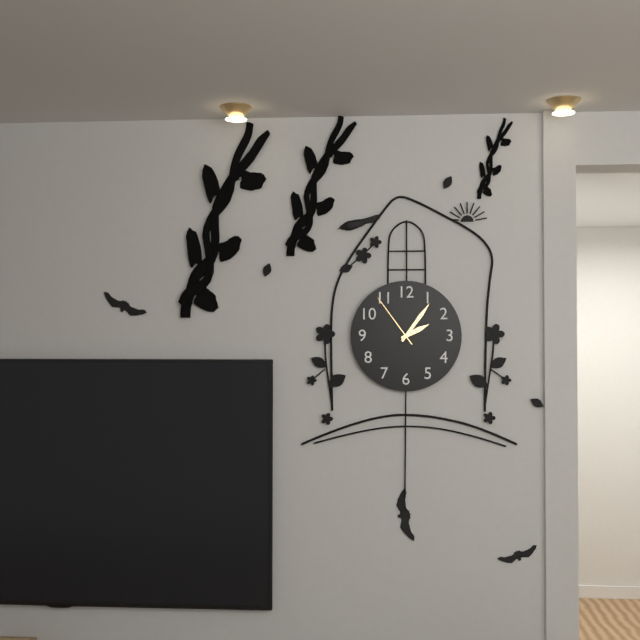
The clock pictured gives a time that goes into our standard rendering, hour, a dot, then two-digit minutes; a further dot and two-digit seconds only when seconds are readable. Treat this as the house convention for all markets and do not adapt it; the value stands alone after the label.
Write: 2.06.54
